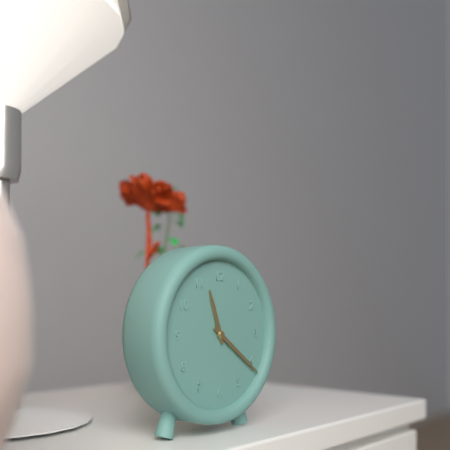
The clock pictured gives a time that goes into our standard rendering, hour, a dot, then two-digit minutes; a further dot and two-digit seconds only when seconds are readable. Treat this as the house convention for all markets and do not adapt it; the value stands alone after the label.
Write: 11.21
